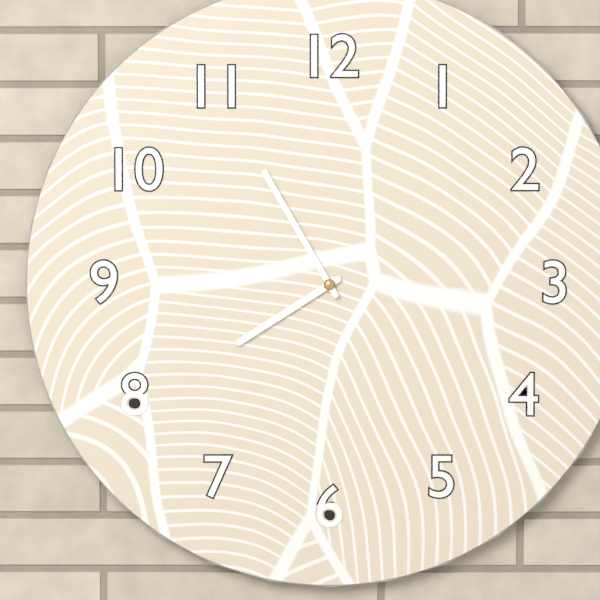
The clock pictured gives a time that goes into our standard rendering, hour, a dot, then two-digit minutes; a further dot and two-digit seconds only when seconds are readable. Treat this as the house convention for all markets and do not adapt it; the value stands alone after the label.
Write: 7.55
